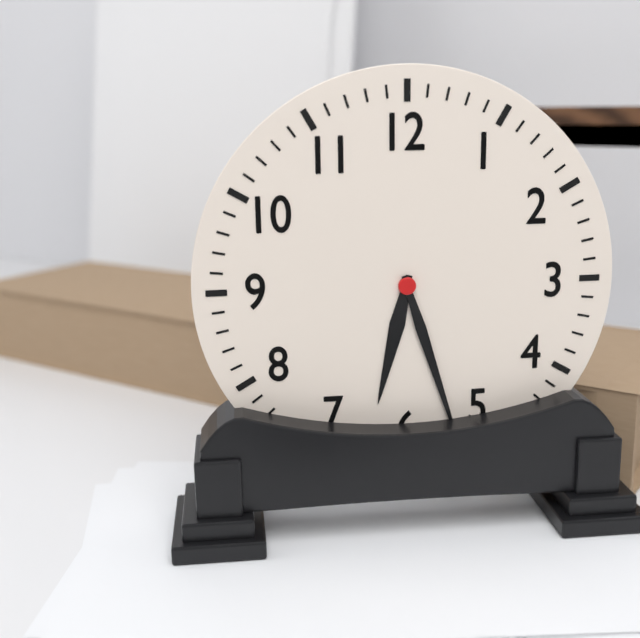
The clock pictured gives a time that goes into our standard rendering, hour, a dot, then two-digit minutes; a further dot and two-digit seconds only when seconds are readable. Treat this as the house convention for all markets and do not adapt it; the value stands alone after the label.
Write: 6.27
